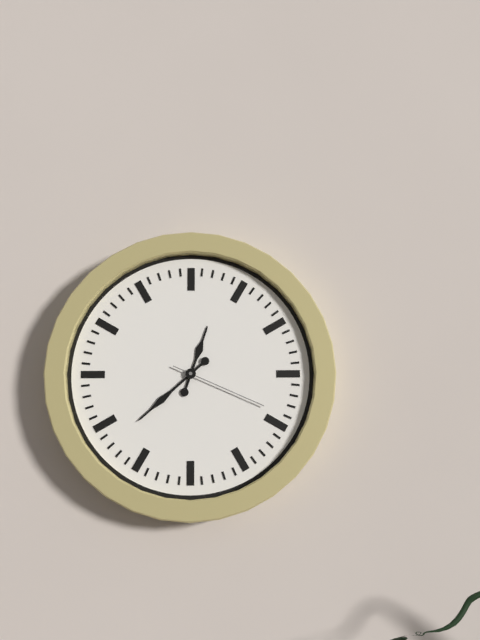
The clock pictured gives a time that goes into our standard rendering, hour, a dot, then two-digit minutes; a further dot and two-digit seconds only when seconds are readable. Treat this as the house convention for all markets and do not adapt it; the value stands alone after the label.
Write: 12.38.19
